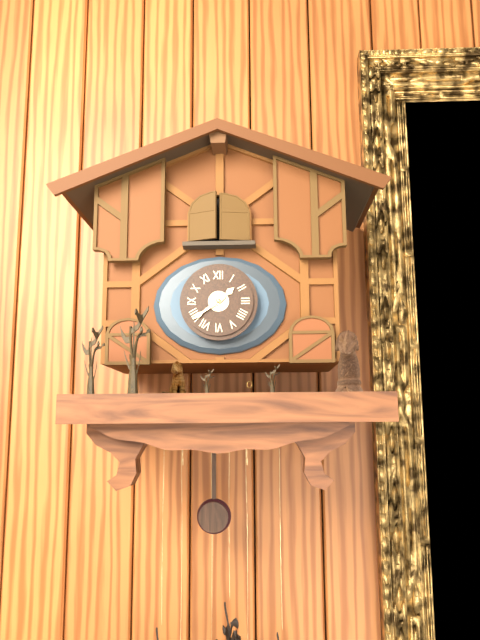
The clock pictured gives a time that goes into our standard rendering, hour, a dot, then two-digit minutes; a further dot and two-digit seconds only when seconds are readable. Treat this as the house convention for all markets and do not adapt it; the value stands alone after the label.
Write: 1.39
